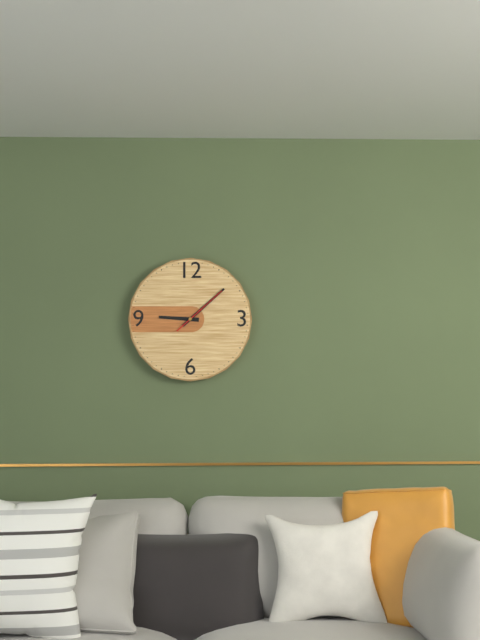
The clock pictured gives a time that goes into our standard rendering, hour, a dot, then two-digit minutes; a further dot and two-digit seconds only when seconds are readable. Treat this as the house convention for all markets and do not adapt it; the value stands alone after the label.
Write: 9.08.08
